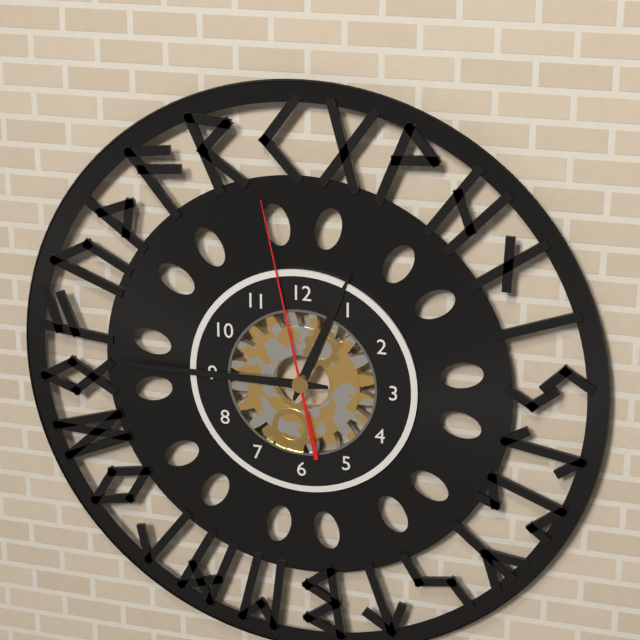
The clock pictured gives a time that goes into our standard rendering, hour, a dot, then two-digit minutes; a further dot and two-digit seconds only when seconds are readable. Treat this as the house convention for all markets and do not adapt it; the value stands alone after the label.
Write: 12.45.58
